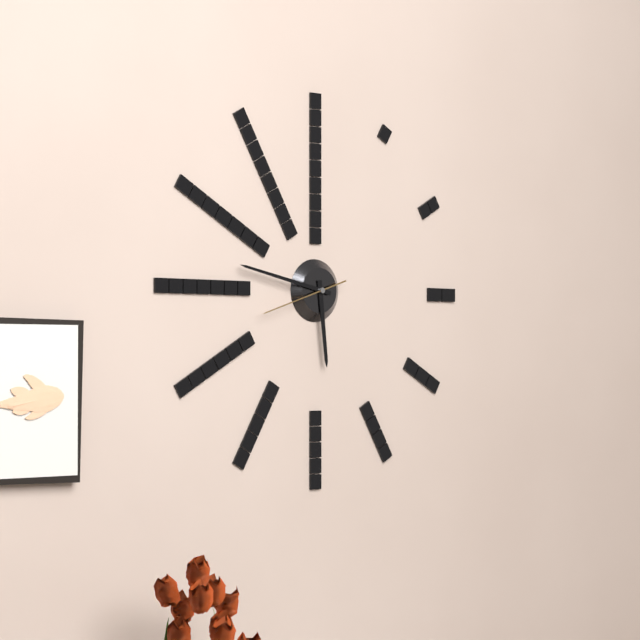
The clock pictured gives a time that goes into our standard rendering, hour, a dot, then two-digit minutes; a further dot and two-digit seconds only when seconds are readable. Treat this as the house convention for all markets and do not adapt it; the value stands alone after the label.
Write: 5.47.42
